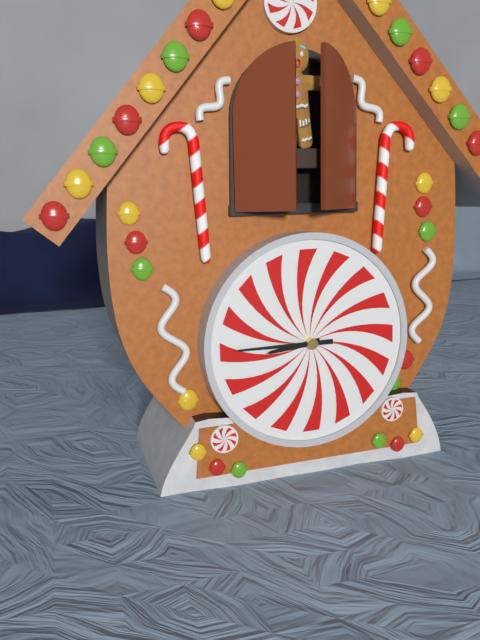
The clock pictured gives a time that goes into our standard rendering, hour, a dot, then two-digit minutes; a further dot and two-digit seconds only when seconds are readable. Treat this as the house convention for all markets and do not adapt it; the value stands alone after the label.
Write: 8.45
